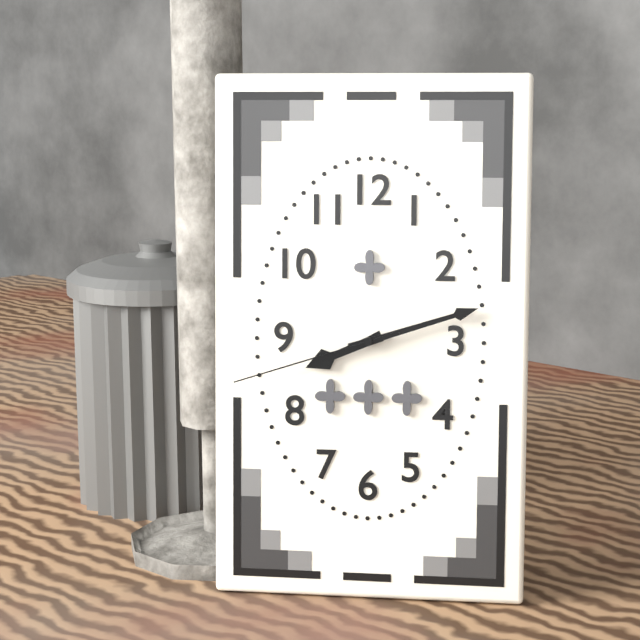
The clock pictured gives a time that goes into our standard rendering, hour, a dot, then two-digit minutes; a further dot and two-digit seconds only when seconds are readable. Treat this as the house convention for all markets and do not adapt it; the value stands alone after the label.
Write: 8.12.42
